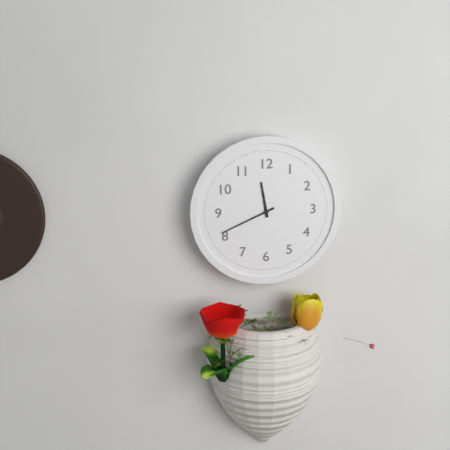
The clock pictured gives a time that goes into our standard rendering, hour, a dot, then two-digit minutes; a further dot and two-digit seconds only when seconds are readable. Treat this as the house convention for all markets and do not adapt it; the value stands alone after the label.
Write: 11.41
